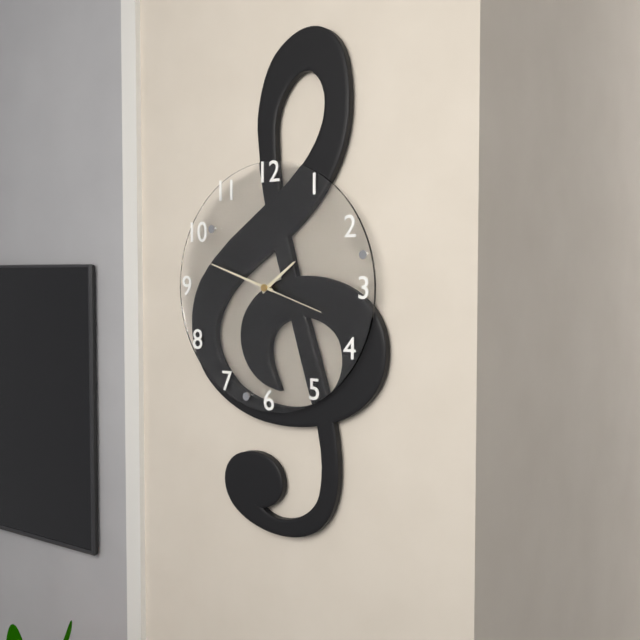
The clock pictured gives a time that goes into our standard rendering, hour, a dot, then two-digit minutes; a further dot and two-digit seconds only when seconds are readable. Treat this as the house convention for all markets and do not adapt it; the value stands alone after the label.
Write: 1.48.18
